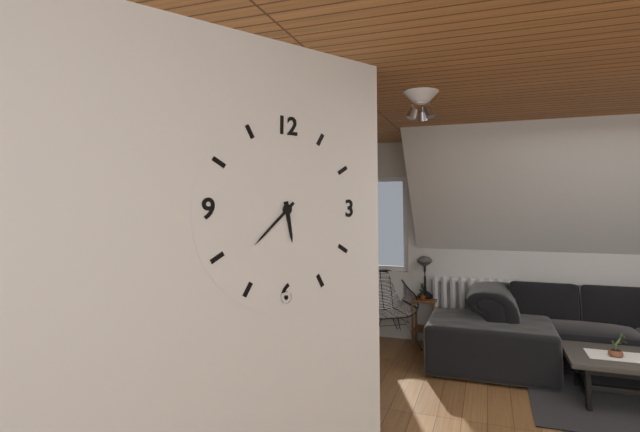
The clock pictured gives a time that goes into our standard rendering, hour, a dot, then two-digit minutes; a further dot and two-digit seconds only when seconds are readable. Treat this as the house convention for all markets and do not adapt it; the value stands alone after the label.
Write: 5.38
